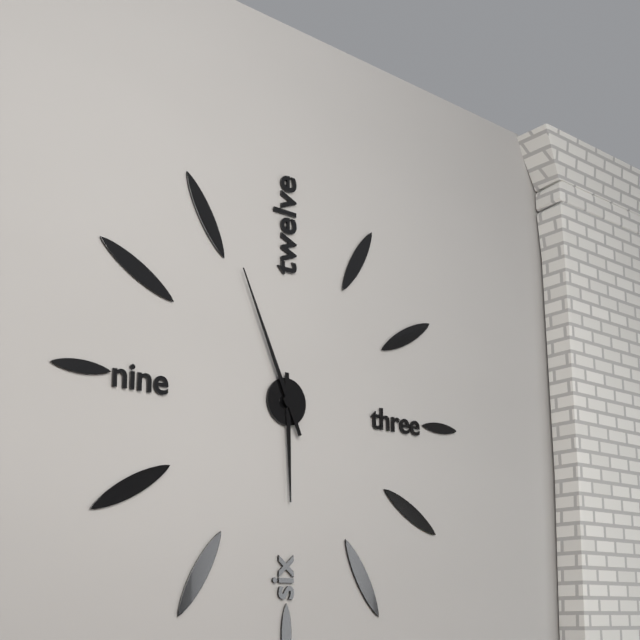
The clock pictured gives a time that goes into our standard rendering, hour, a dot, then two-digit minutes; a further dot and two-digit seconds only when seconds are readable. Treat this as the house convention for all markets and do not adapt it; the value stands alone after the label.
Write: 5.56
